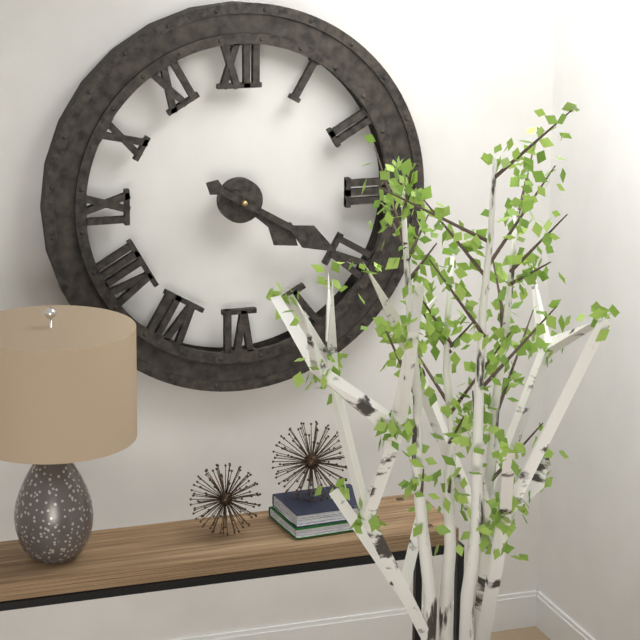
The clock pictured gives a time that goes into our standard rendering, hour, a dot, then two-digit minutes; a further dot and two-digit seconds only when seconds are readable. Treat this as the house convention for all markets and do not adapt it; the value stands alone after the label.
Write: 4.20
